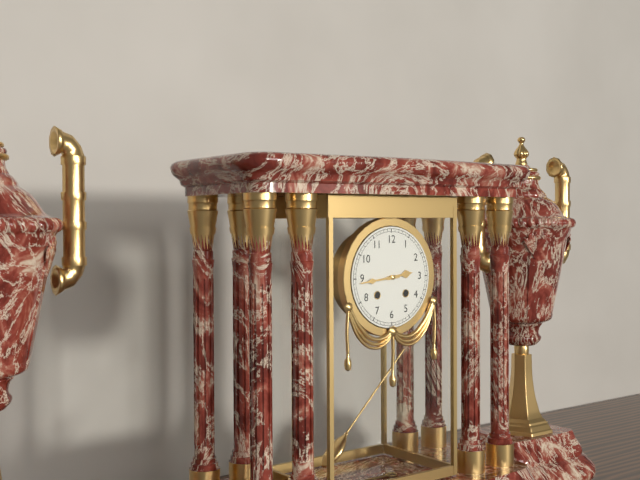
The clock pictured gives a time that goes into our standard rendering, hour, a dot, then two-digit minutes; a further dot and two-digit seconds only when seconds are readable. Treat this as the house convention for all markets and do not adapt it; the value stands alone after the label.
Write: 2.44
